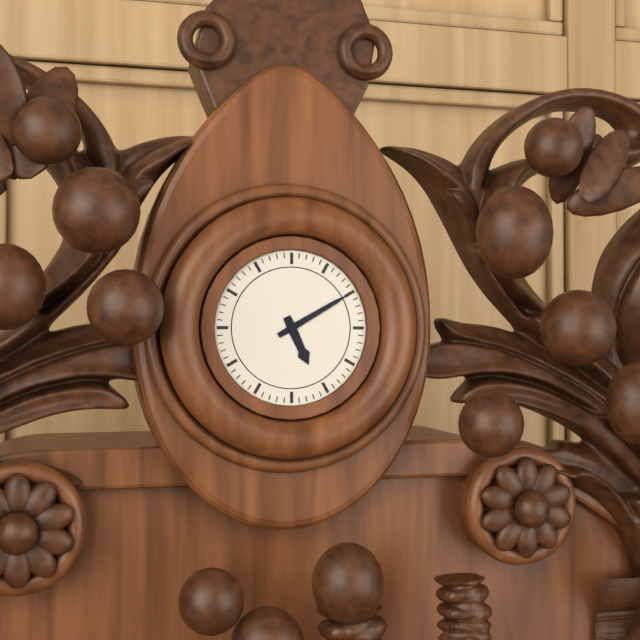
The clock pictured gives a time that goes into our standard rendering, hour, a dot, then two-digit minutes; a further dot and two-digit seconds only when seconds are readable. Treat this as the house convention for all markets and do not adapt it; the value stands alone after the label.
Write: 5.10
